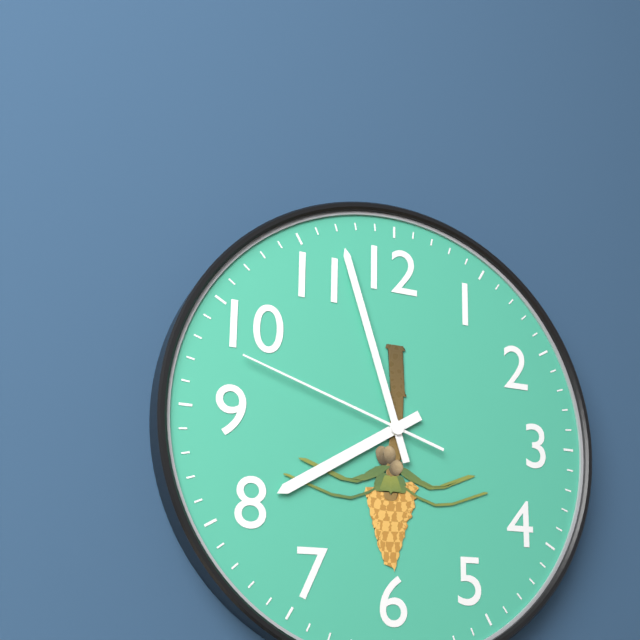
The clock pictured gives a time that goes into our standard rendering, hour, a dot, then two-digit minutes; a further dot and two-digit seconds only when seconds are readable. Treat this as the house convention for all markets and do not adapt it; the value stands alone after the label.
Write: 7.57.48
